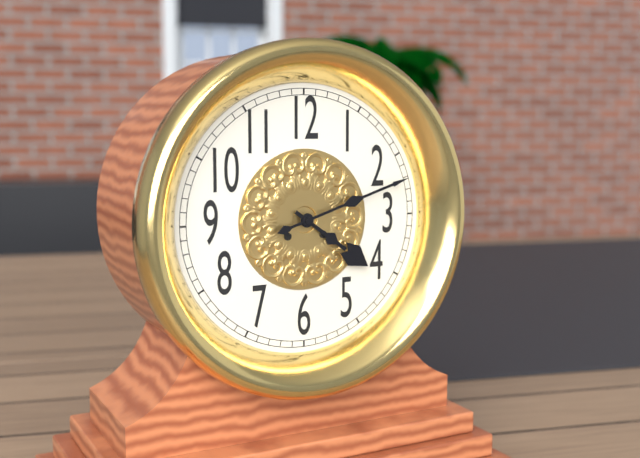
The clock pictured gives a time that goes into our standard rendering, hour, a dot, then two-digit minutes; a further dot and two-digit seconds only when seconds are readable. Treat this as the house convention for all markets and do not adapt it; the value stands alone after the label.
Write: 4.12
